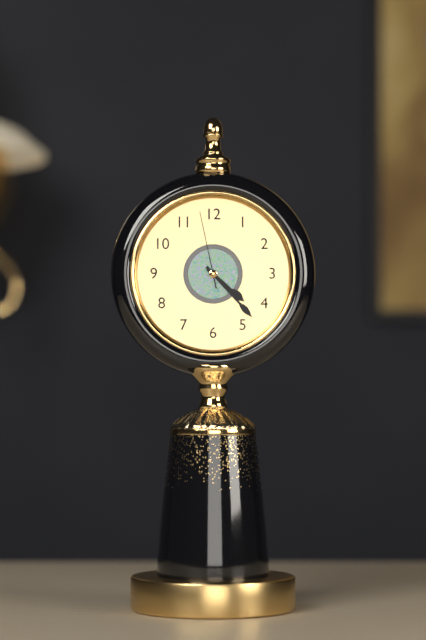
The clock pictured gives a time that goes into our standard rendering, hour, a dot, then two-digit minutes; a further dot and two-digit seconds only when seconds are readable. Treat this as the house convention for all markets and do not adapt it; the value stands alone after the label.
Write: 4.23.58
